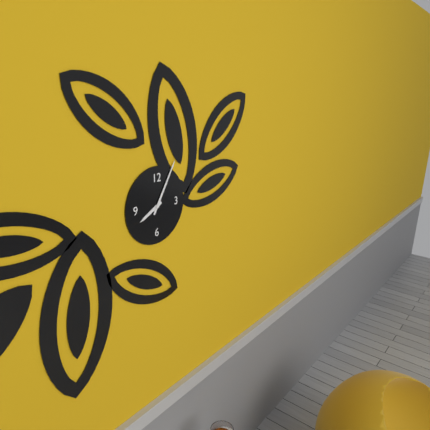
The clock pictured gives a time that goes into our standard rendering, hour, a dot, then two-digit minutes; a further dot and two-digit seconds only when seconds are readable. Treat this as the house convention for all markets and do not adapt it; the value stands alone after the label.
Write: 8.05
